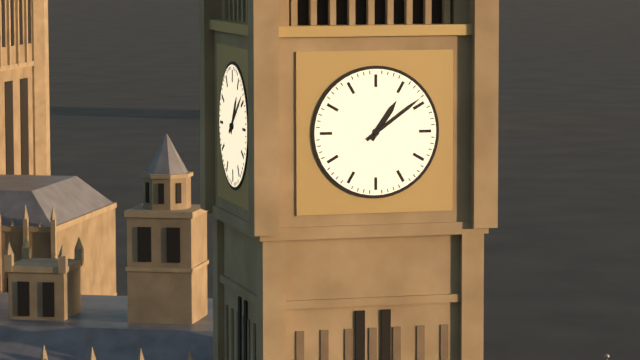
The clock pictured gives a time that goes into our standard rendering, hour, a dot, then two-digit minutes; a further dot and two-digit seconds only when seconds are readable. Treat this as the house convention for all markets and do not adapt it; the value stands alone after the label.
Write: 1.09
